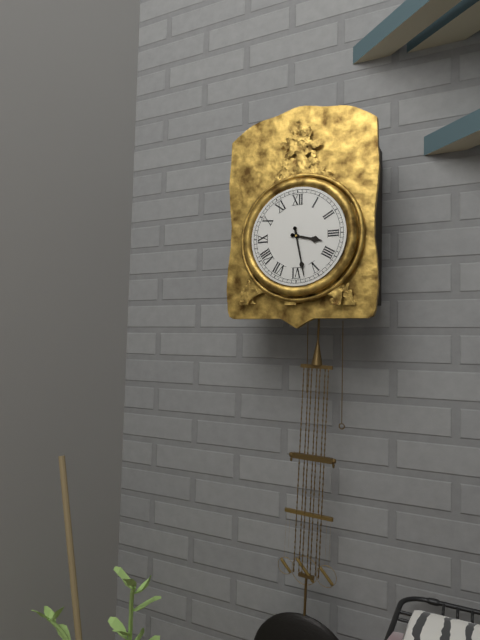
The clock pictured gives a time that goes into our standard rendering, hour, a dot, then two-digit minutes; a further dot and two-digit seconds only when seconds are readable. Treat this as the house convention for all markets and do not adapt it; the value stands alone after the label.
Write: 3.28
